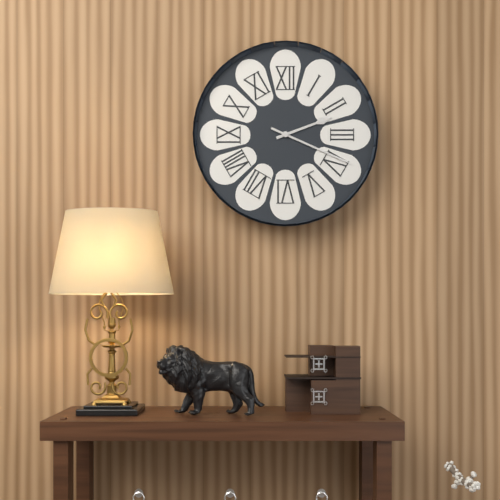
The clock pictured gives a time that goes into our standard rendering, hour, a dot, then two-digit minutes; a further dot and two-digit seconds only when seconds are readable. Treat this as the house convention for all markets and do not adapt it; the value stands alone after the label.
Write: 2.19
